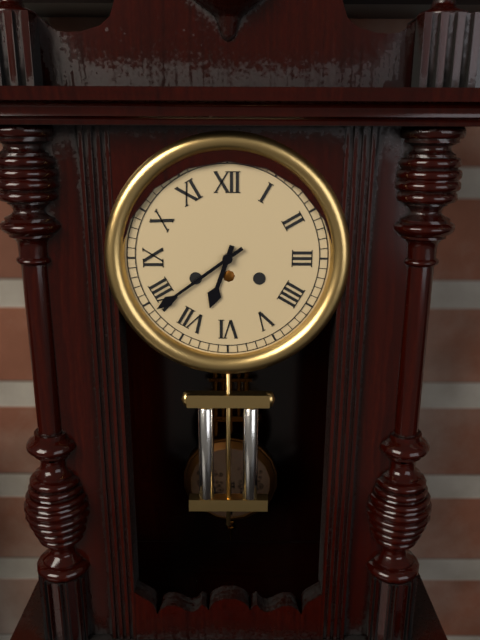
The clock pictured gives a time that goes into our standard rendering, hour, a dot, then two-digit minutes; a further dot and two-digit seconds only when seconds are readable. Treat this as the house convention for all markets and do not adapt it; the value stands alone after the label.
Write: 6.39
